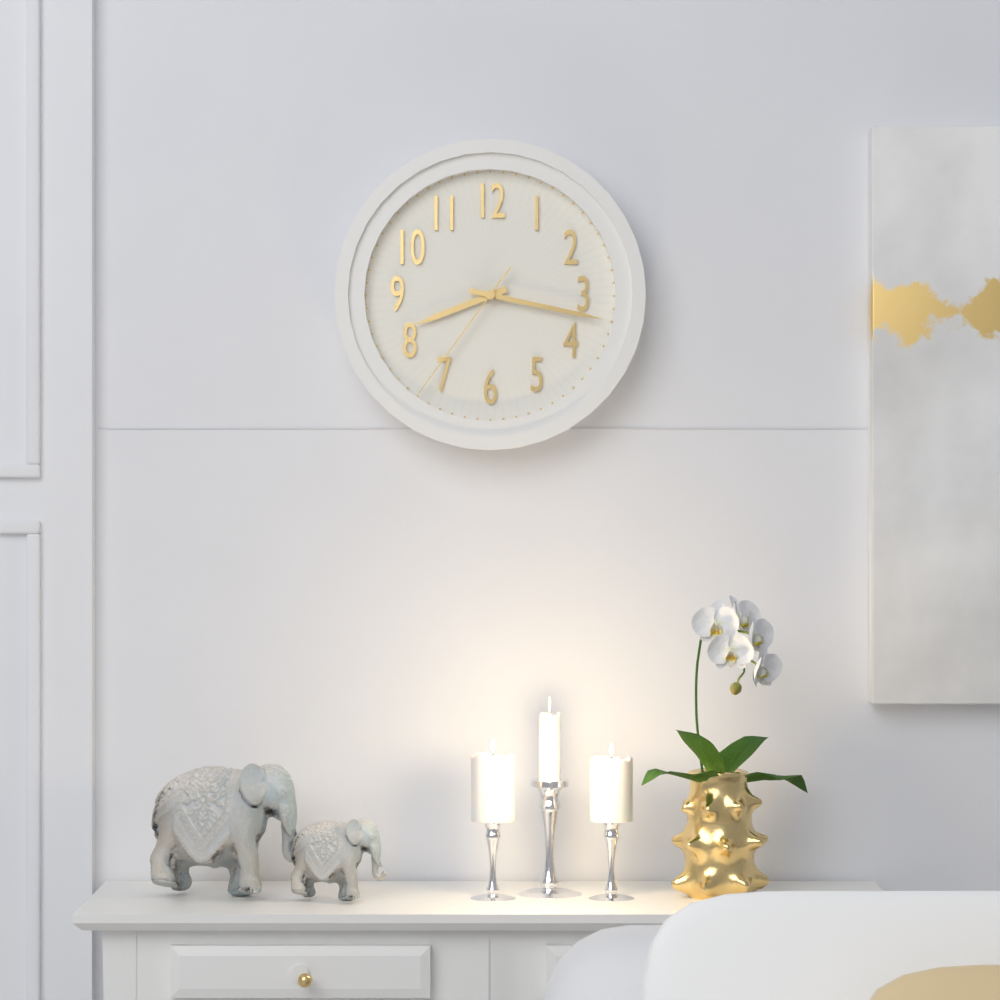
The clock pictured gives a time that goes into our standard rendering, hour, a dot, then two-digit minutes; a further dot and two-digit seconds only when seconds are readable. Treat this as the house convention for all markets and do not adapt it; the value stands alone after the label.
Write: 8.17.36
